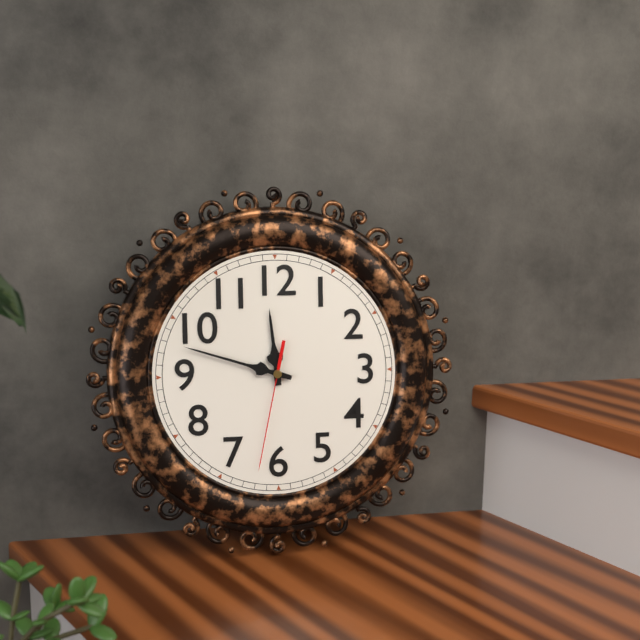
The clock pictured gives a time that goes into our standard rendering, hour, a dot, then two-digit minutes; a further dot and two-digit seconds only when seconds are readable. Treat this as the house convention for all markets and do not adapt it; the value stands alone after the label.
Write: 11.48.32
